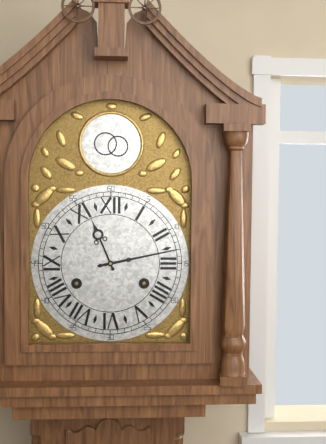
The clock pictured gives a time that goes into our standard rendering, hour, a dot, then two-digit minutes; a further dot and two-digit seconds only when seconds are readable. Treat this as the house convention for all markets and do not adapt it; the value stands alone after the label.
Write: 11.13
